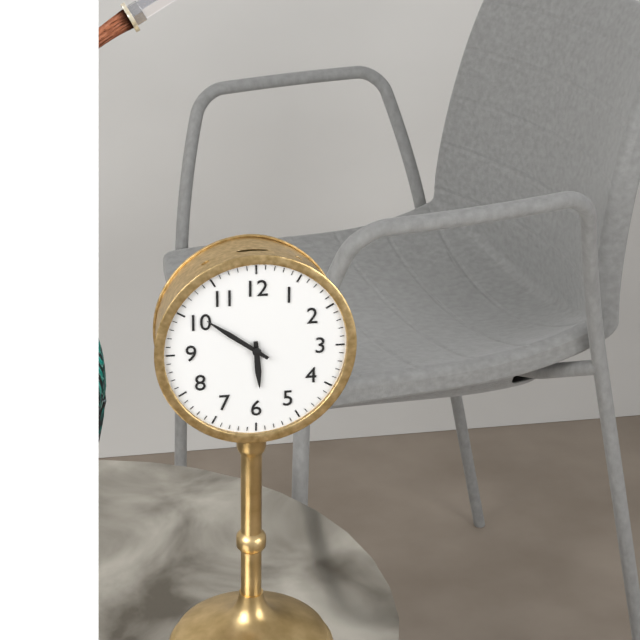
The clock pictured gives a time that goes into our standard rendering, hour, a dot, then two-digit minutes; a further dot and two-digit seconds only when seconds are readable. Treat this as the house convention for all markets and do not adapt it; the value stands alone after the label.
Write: 5.51
